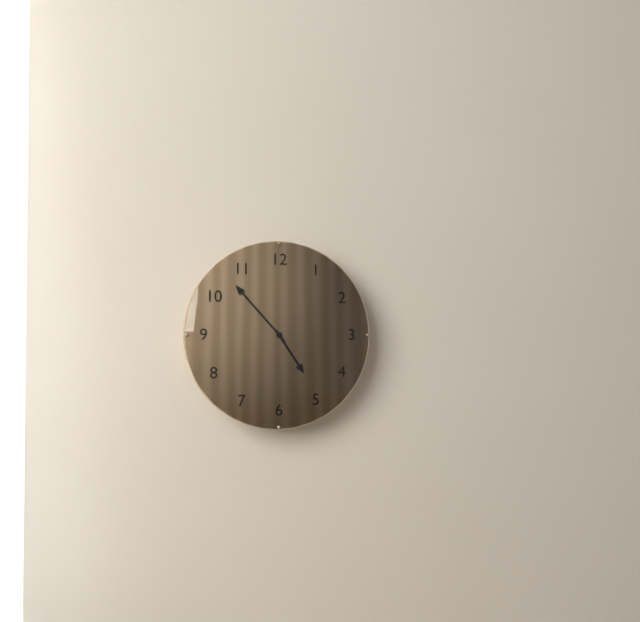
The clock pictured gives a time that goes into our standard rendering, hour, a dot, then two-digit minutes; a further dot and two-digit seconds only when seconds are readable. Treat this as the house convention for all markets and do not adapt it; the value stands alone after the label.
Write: 4.53
